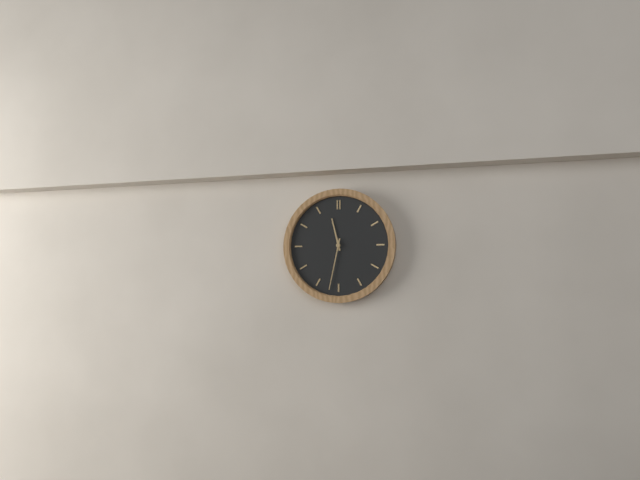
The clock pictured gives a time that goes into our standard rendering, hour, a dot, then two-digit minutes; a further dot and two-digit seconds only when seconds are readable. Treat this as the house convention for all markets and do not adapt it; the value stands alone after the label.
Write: 11.32
